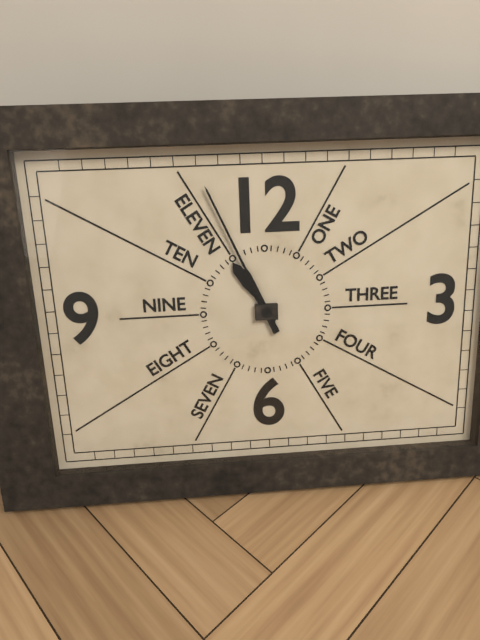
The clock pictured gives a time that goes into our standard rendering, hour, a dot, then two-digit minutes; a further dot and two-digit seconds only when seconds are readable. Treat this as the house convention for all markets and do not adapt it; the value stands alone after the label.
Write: 10.56
